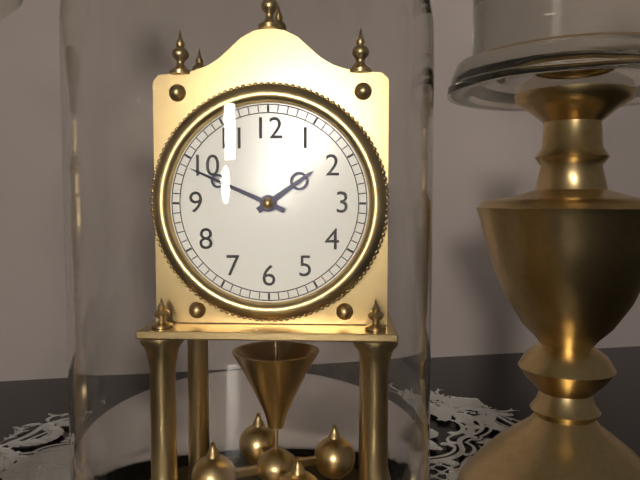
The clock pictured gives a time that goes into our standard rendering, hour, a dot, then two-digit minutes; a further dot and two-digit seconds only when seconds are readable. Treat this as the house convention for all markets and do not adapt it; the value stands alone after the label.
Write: 1.49
